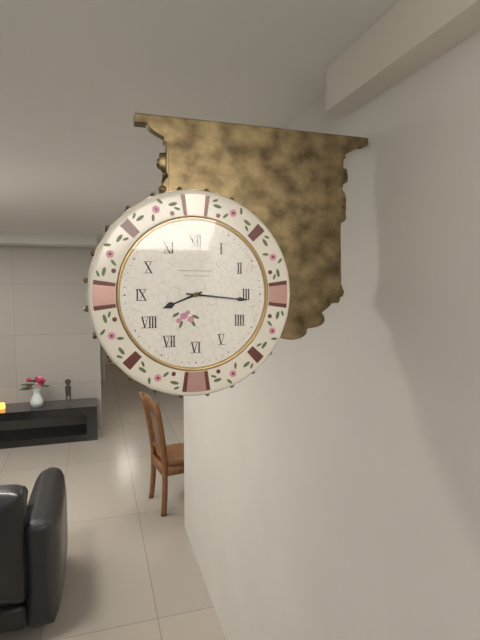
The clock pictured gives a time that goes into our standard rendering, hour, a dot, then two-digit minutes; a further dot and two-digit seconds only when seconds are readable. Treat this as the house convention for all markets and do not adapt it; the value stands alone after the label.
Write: 8.16
